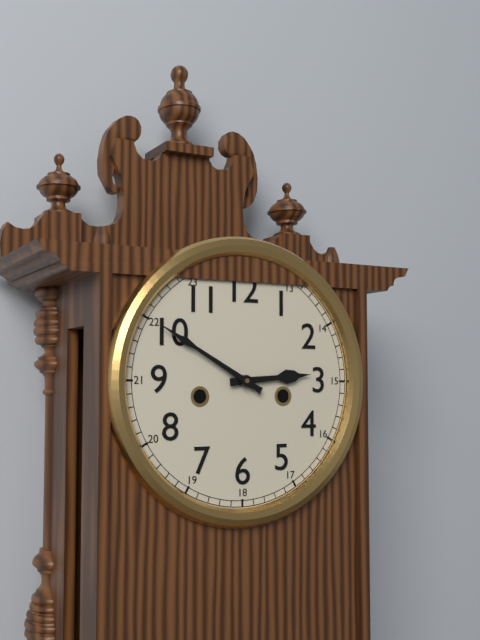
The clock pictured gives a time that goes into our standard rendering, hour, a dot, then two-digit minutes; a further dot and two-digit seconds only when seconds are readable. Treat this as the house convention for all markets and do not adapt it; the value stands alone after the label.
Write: 2.50
